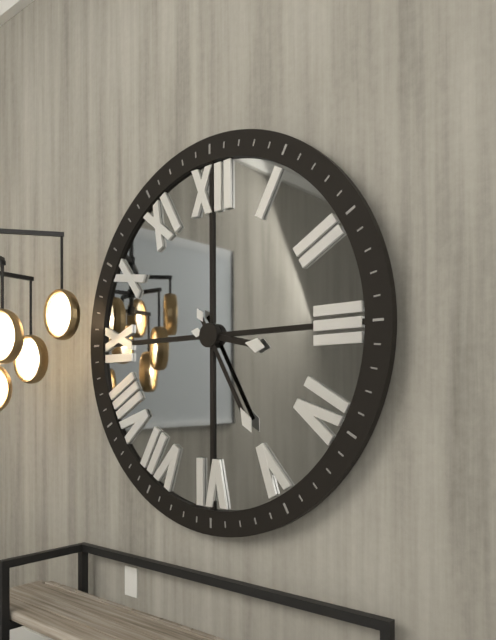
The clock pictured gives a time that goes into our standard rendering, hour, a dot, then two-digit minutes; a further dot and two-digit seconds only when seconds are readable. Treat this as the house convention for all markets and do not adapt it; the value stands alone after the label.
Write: 3.25
